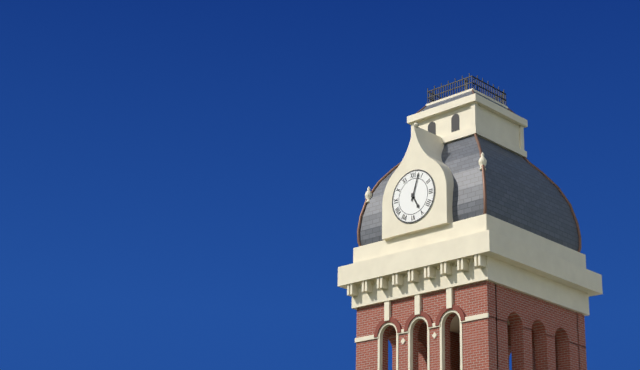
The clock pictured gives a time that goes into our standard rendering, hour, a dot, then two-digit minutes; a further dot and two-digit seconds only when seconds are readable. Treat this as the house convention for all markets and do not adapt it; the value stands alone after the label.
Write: 5.03
